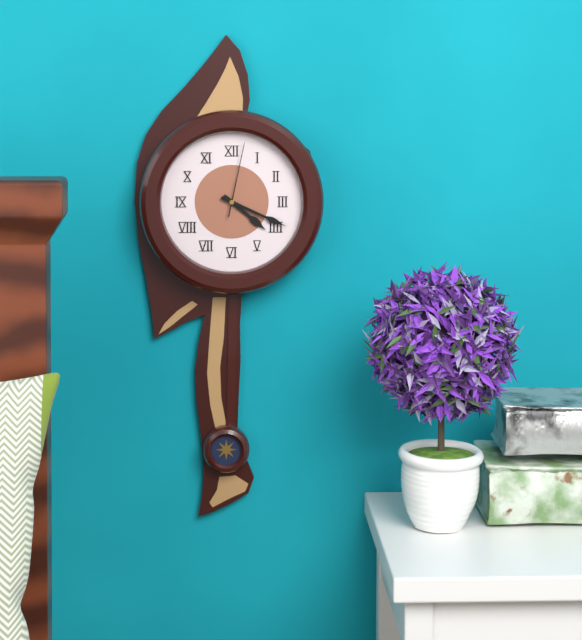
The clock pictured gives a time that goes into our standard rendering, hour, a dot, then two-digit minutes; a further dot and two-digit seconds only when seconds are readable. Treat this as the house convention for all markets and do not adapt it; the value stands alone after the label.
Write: 4.19.02
